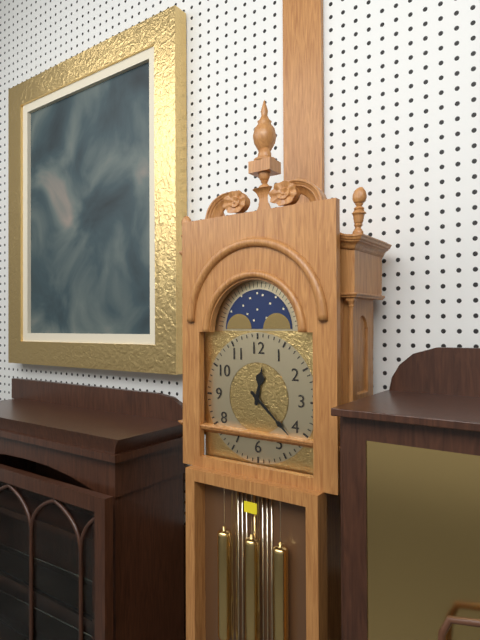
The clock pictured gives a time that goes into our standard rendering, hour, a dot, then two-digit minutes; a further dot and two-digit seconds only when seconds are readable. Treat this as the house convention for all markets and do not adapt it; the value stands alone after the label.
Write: 12.22
